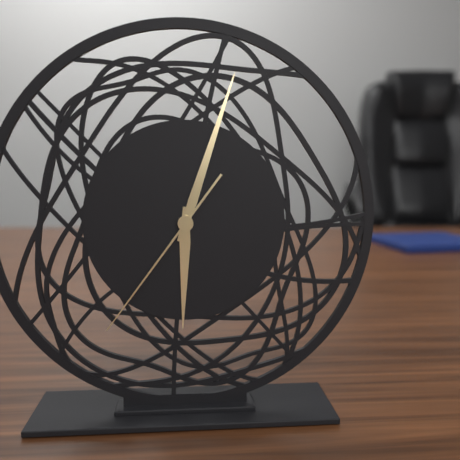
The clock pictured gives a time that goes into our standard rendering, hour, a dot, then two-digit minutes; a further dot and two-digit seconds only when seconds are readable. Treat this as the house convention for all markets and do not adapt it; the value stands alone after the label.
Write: 6.03.36
